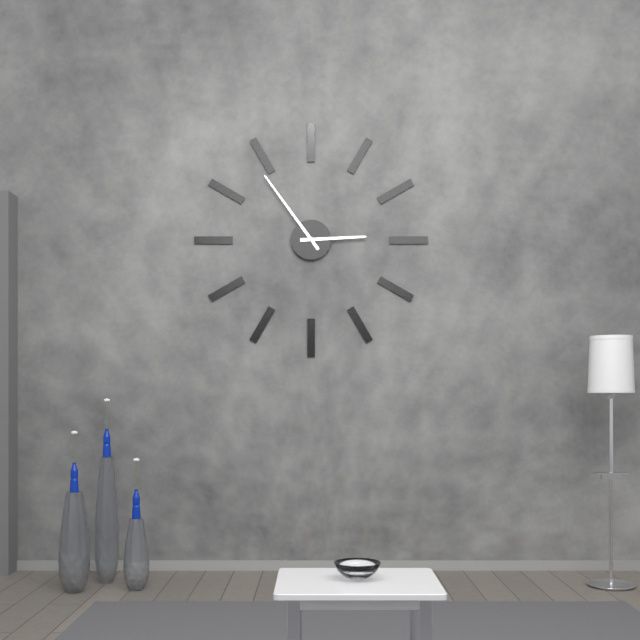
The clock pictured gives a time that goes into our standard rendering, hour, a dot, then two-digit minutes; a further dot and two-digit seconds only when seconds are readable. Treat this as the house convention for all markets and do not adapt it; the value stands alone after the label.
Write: 2.54
